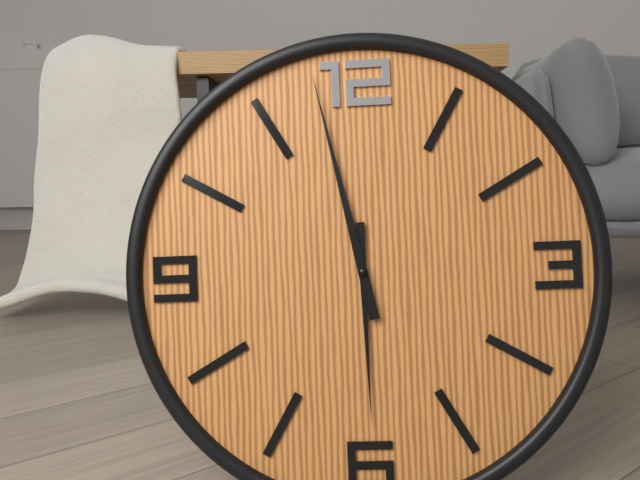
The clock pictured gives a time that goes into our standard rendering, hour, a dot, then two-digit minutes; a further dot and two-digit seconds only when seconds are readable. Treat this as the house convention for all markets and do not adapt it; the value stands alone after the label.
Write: 5.58
